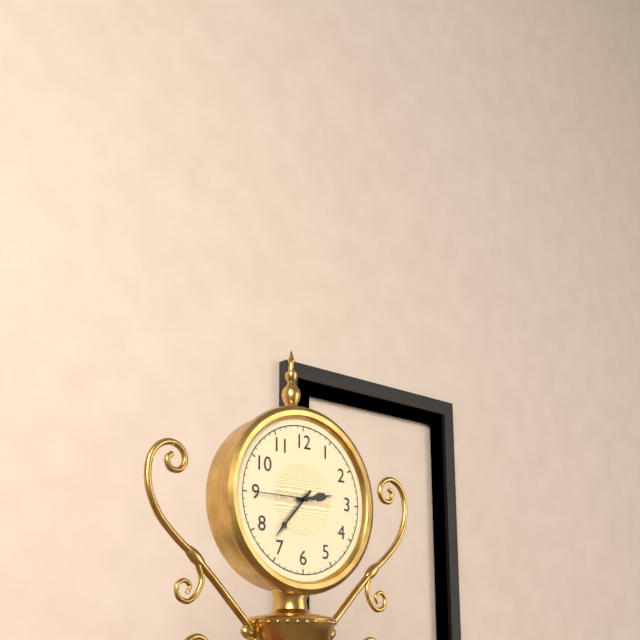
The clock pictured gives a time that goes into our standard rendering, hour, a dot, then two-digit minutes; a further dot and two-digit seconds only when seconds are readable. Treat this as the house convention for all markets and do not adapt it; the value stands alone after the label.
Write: 2.37.45
